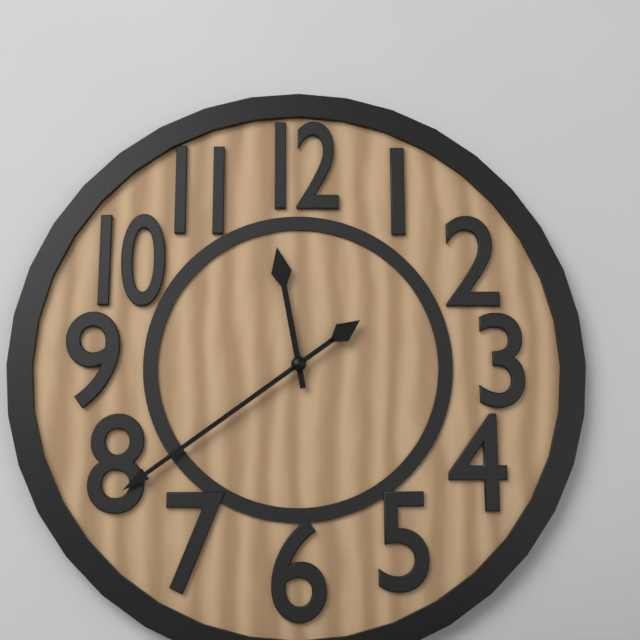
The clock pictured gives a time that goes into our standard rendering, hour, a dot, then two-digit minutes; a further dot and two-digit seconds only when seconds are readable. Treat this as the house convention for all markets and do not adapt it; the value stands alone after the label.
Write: 11.39
